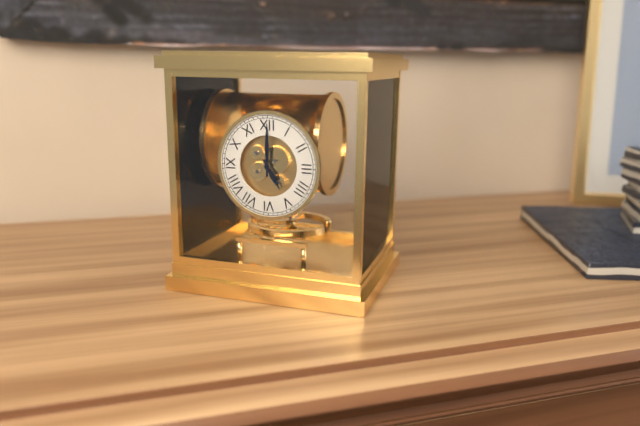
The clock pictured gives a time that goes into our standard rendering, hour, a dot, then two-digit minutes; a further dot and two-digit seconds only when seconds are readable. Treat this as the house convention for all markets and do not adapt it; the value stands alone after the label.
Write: 5.00
